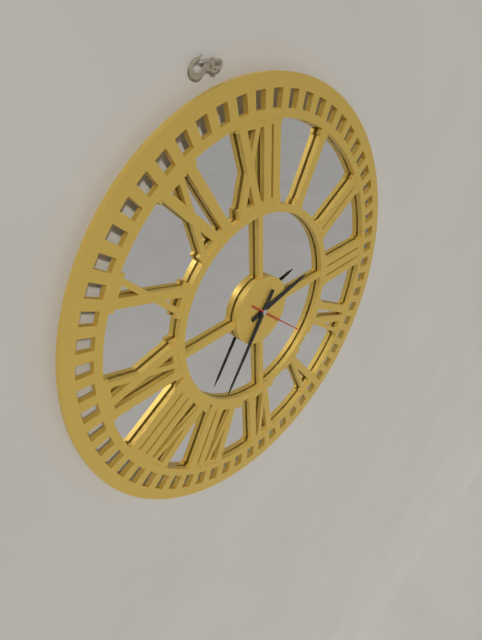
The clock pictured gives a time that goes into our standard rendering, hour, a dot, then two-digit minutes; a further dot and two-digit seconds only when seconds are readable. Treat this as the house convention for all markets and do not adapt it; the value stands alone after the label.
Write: 2.36.22
